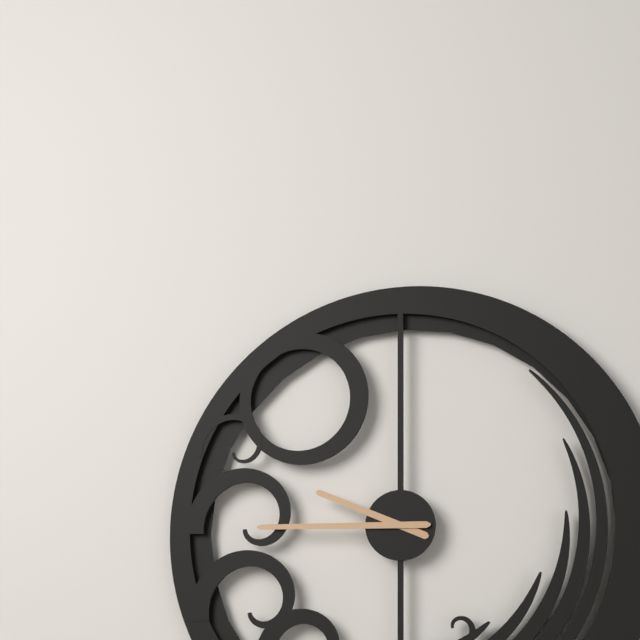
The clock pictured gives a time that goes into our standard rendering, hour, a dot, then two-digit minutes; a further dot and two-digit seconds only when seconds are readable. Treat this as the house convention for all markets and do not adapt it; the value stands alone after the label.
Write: 9.45
